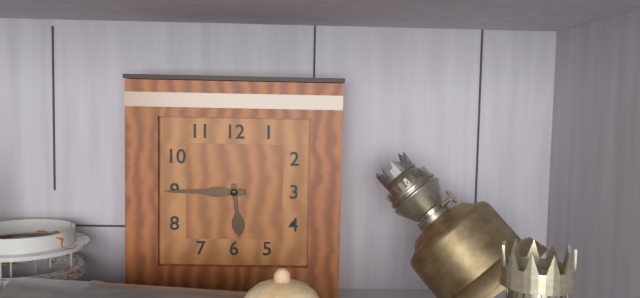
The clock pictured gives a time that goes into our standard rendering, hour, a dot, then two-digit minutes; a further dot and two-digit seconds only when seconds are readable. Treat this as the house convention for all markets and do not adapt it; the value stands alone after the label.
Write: 5.45
